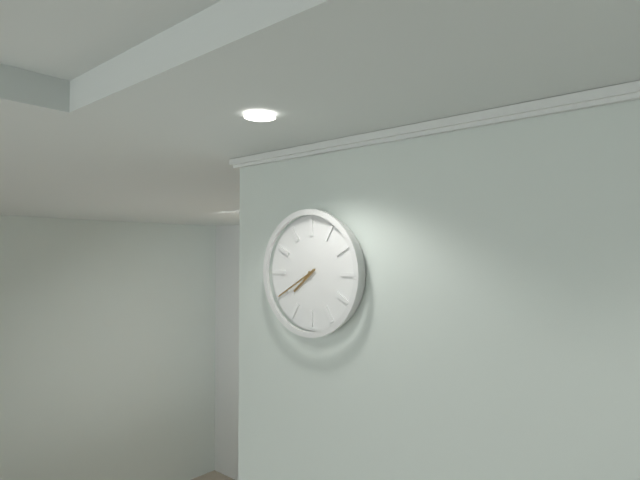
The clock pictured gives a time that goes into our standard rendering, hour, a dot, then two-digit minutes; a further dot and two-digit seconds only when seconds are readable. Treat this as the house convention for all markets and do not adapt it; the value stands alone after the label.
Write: 7.40
